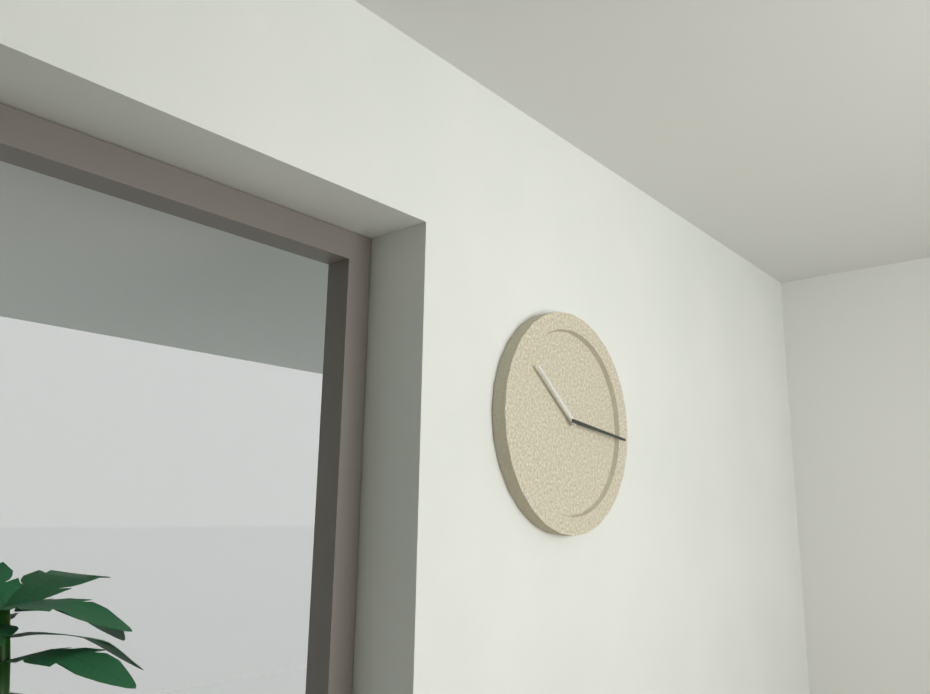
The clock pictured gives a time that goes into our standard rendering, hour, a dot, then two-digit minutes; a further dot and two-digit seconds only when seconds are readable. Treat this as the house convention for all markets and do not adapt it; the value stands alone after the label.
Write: 10.16
